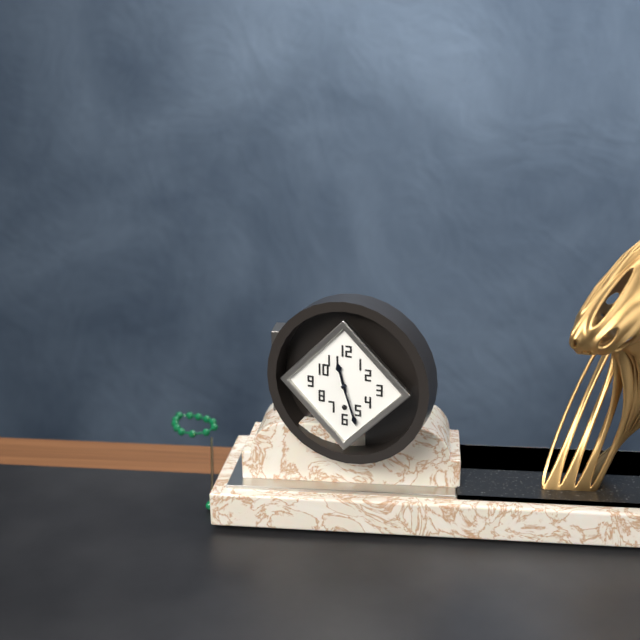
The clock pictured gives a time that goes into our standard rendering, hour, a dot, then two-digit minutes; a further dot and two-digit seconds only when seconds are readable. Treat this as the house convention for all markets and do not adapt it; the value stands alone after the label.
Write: 11.27
